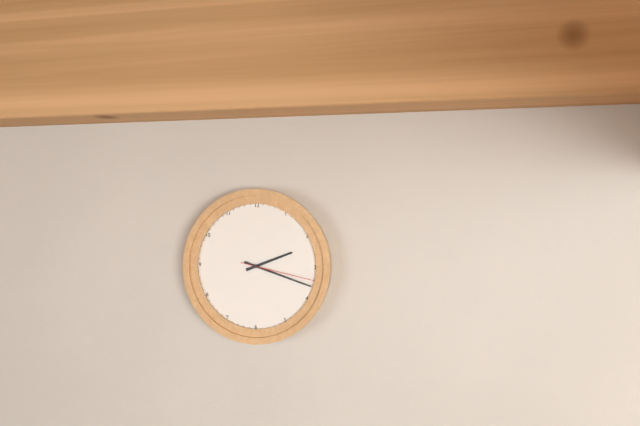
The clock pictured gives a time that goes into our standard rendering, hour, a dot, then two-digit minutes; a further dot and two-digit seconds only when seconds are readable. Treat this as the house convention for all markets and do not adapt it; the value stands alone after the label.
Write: 2.18.17
